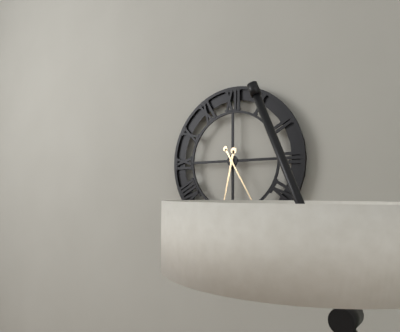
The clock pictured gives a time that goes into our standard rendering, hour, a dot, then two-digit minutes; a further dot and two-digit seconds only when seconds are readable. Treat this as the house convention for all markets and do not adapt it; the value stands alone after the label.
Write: 6.25
